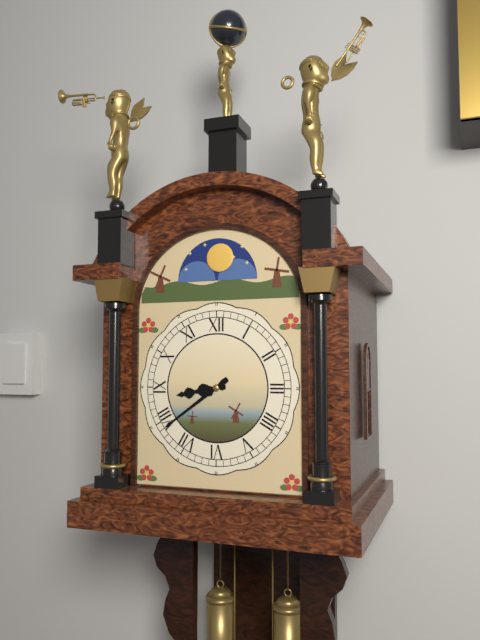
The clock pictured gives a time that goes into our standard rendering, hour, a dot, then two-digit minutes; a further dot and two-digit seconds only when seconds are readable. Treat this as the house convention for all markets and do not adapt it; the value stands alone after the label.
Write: 8.39
